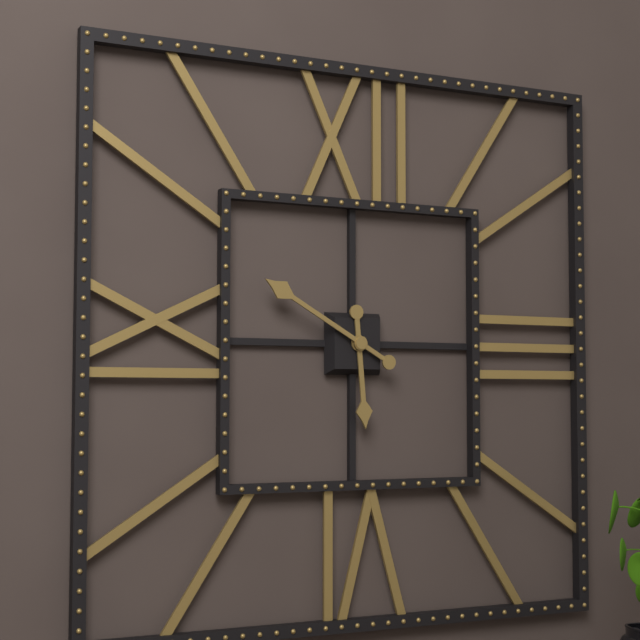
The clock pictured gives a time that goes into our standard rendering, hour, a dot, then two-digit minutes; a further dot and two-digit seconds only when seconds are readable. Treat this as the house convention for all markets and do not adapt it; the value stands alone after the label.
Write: 5.50
